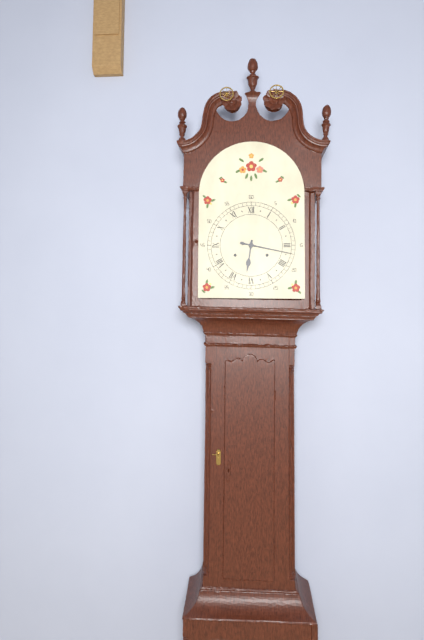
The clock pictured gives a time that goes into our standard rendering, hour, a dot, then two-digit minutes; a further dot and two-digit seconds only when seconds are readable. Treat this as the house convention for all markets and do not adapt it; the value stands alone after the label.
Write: 6.17
